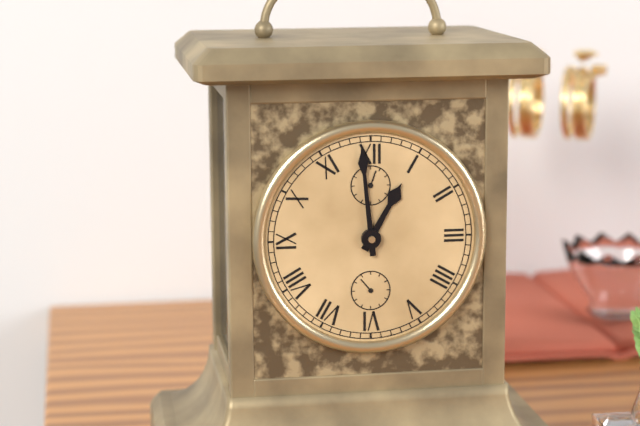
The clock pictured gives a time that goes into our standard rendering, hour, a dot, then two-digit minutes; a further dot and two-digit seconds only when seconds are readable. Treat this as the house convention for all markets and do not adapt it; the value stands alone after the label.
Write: 12.59
